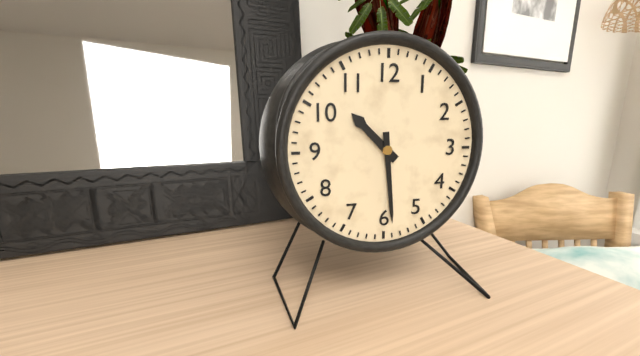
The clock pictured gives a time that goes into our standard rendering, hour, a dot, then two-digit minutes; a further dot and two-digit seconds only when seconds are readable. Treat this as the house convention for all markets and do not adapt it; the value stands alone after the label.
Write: 10.29
